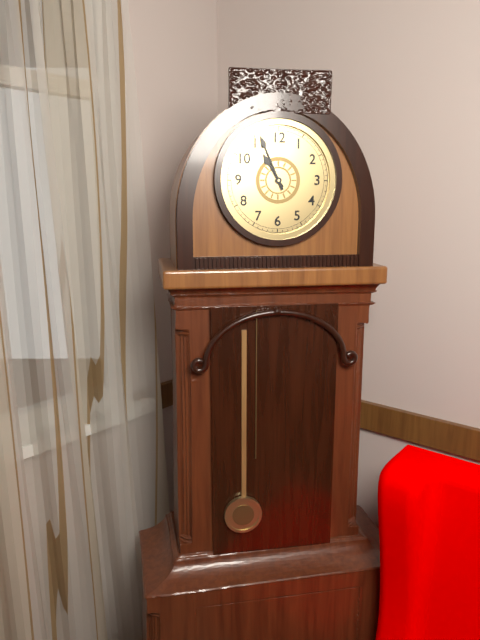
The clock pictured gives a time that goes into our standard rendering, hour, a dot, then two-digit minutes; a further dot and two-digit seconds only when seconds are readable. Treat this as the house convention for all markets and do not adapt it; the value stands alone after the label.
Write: 10.56
